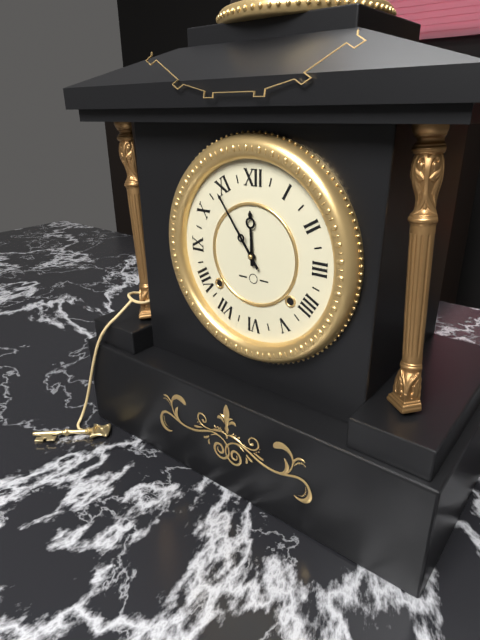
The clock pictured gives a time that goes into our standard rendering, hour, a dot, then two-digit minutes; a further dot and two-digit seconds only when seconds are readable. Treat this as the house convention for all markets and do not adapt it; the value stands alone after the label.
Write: 11.54
